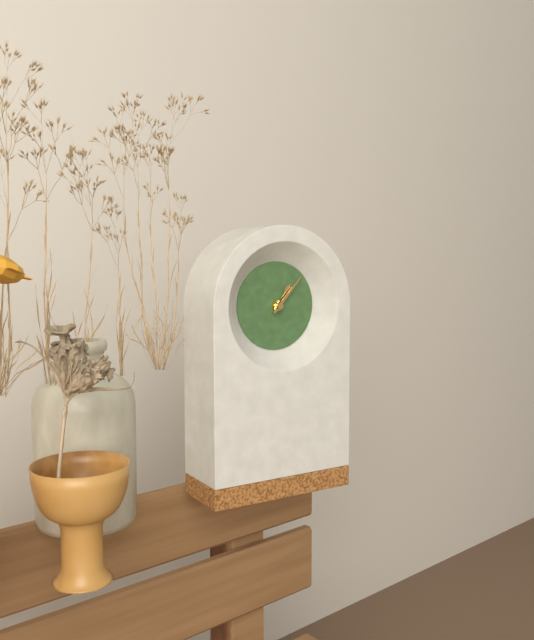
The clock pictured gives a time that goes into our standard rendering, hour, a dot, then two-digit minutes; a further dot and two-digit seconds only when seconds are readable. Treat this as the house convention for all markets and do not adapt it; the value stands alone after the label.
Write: 1.07
